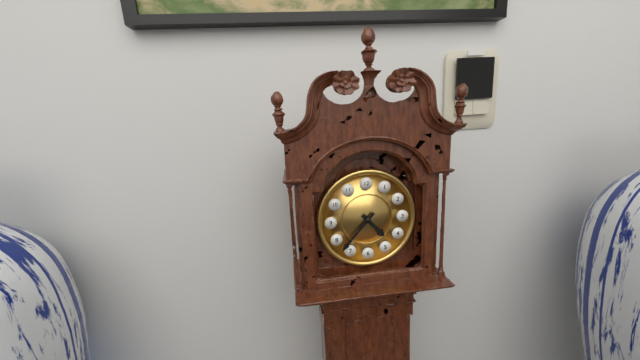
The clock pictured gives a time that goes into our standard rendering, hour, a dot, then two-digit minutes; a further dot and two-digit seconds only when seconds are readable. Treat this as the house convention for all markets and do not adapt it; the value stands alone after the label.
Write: 4.37
